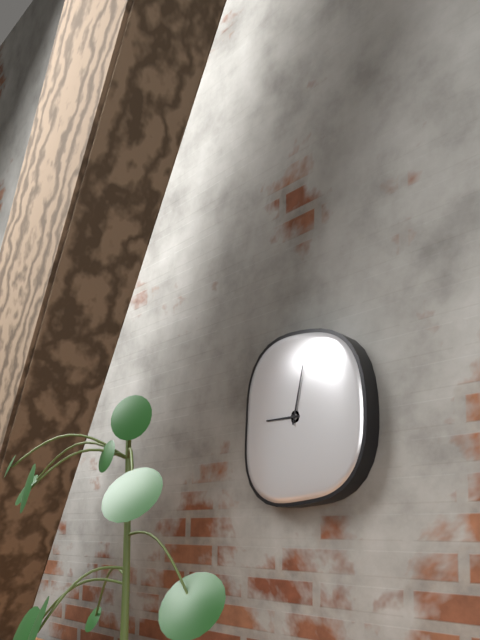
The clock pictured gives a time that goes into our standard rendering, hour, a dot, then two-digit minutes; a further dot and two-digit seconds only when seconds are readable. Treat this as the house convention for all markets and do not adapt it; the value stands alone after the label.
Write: 9.02
